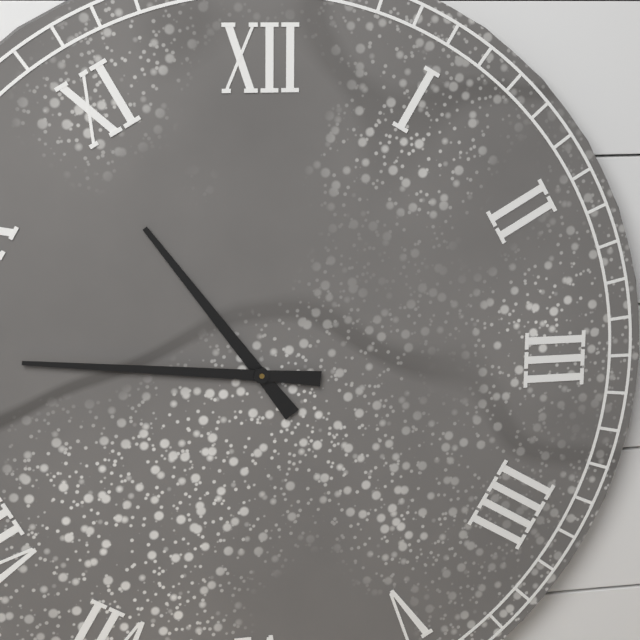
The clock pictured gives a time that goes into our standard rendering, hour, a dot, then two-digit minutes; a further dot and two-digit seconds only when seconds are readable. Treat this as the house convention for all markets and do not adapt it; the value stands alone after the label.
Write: 10.46
